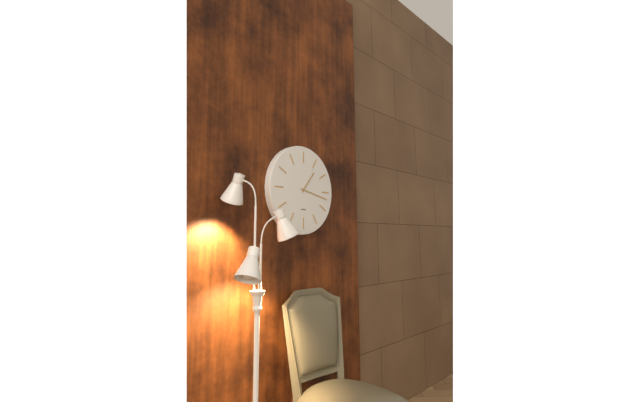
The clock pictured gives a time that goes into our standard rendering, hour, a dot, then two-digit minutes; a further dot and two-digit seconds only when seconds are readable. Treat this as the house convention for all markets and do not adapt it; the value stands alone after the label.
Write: 1.17
